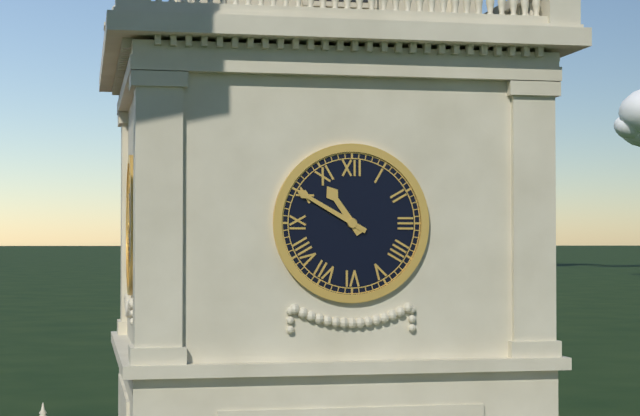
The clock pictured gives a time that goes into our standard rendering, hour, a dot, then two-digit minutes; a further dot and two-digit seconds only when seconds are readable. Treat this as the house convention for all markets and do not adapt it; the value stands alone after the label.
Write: 10.50
